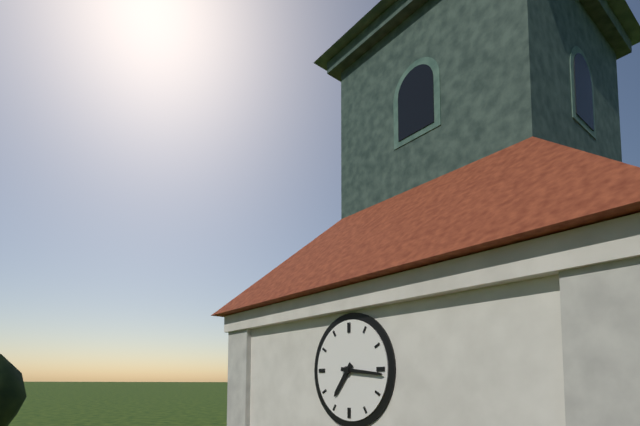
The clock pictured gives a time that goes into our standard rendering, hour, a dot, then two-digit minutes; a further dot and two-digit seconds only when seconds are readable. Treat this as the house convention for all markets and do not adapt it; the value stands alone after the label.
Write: 7.16
